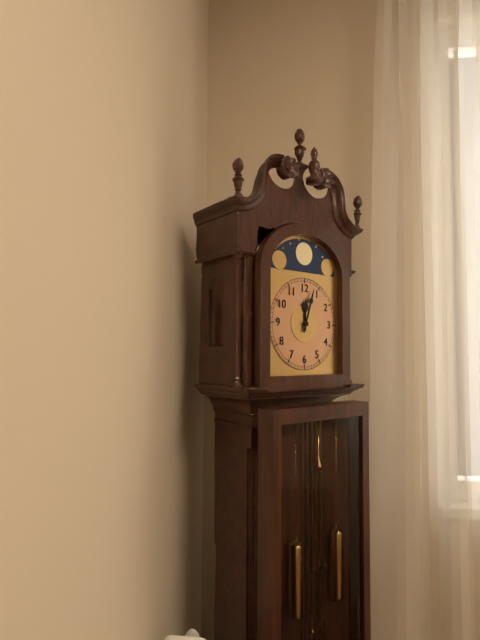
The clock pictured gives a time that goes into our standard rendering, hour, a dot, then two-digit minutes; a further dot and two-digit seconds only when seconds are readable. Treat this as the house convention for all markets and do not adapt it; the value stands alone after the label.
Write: 12.03
